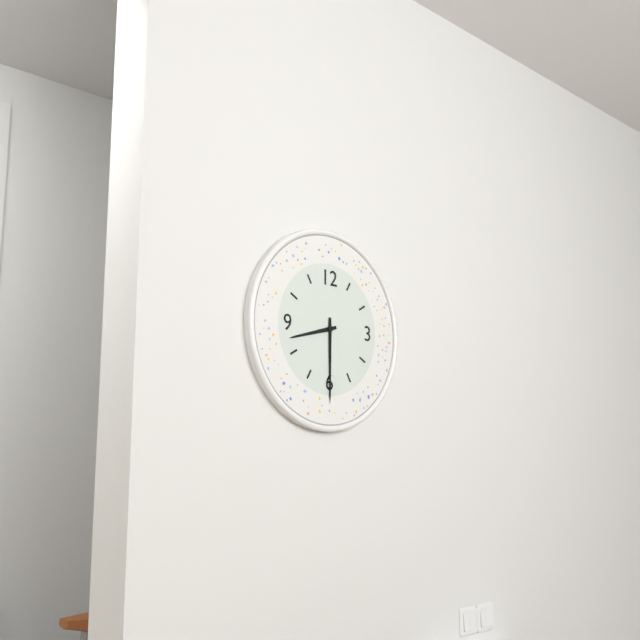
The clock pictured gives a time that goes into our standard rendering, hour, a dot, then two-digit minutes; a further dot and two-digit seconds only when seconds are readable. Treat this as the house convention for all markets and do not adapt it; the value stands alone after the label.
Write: 8.30
